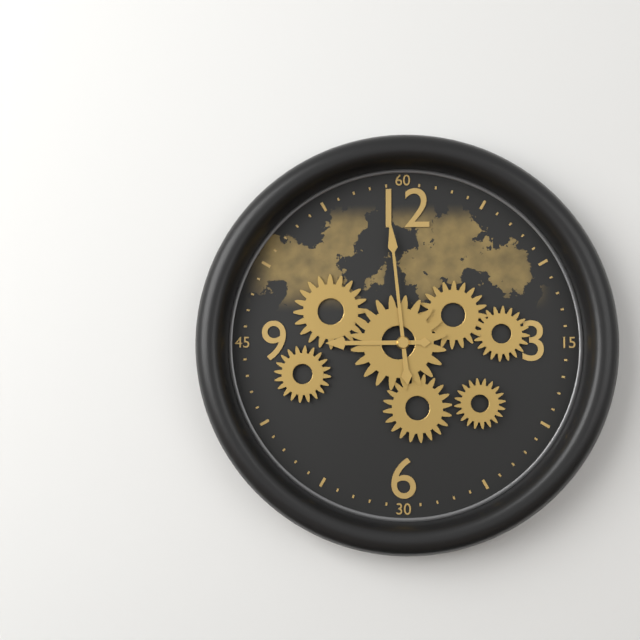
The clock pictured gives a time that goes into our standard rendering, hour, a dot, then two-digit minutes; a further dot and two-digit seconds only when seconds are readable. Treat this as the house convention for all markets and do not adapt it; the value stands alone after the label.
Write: 8.59
